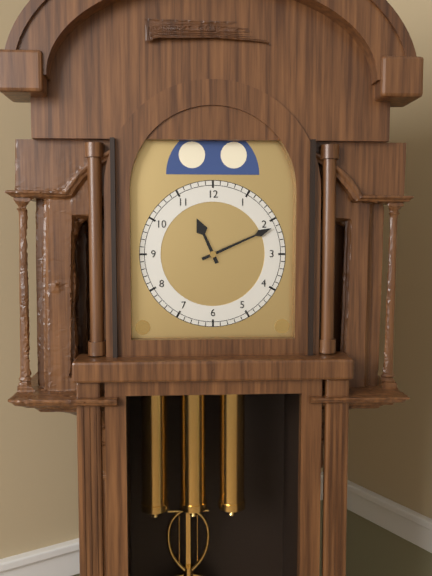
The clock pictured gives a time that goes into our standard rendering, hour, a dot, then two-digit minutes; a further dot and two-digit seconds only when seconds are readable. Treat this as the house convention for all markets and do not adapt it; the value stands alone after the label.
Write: 11.11
